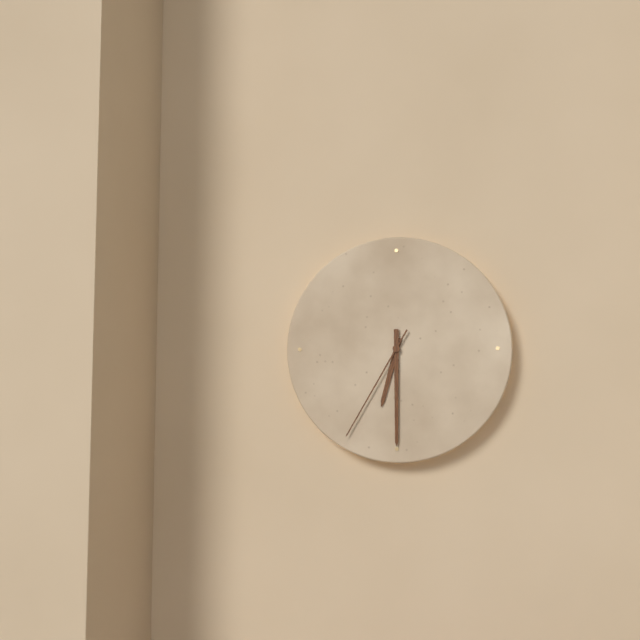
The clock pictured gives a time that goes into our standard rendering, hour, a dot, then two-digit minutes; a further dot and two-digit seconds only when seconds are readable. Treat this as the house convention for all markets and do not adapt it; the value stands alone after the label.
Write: 6.30.35
